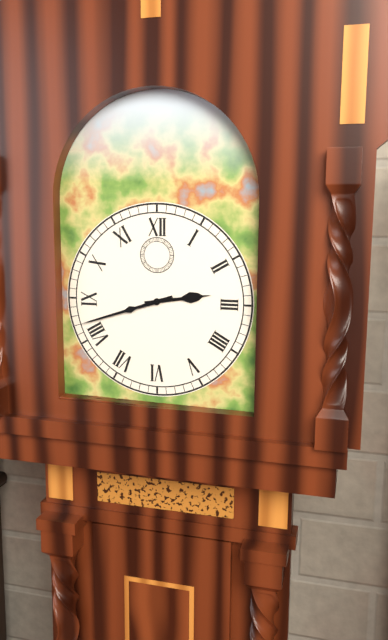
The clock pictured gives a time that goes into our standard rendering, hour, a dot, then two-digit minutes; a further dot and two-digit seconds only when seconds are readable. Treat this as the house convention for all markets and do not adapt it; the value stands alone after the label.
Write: 2.42
